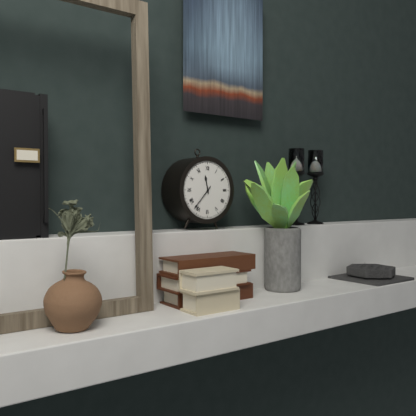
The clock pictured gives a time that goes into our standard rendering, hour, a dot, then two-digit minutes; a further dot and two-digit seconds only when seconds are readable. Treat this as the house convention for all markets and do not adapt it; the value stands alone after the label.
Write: 11.37
